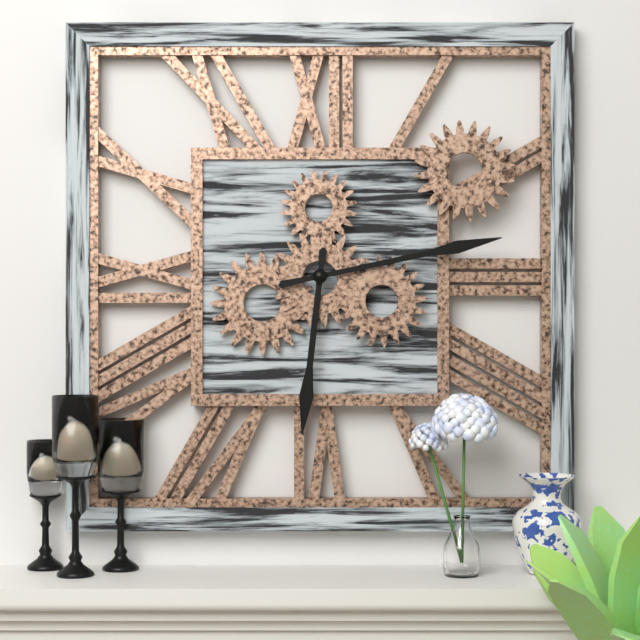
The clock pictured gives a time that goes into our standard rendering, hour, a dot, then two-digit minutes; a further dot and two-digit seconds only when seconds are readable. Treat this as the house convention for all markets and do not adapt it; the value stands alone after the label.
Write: 6.13
